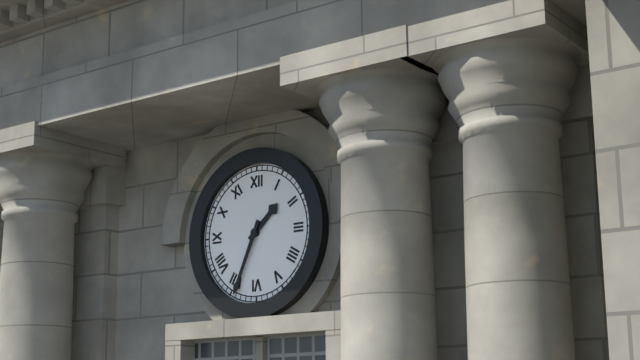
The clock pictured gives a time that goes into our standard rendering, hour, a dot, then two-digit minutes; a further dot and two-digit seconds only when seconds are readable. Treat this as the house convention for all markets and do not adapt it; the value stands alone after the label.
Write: 1.34
